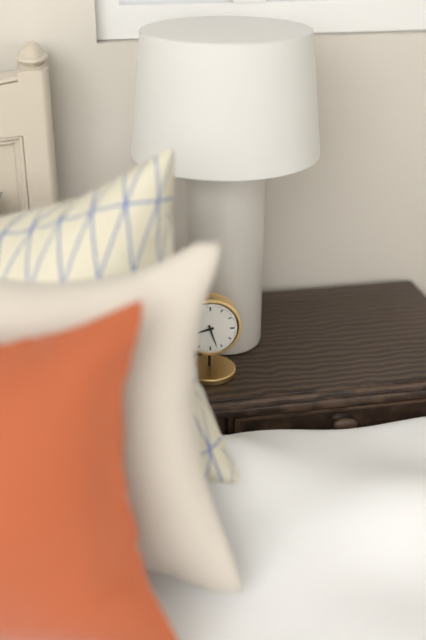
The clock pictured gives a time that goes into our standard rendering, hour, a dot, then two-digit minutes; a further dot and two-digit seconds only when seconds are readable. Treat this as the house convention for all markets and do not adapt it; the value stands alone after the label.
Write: 8.27
